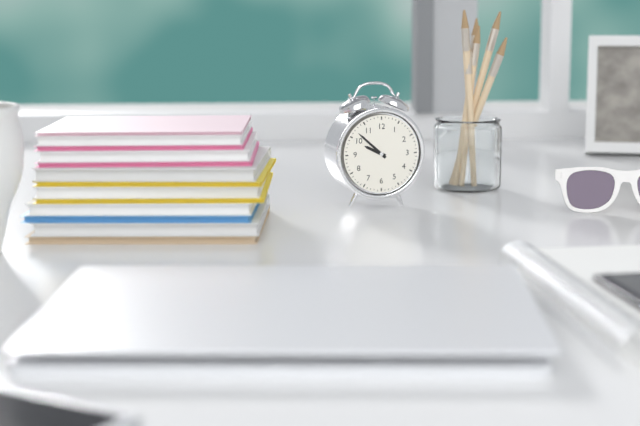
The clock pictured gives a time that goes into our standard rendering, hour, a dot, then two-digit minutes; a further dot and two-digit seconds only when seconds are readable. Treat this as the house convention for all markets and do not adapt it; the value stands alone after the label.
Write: 9.52
